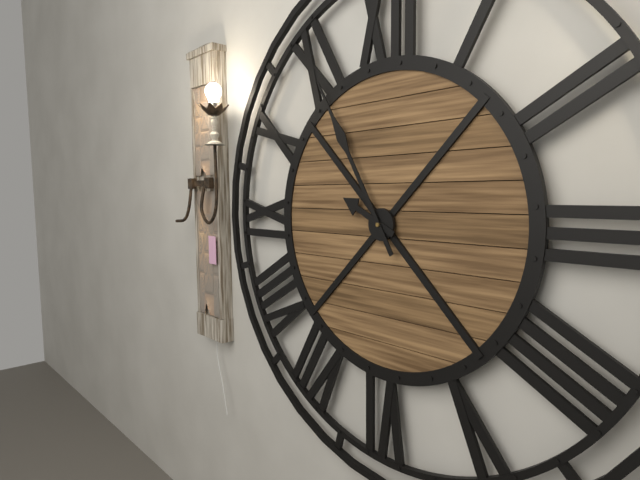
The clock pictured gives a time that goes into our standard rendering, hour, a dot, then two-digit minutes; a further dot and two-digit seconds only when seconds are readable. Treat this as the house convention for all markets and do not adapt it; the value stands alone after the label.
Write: 9.55
